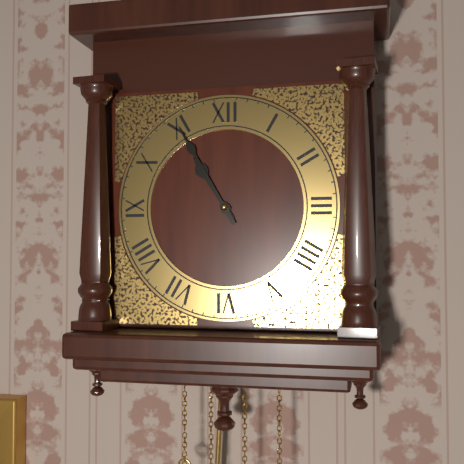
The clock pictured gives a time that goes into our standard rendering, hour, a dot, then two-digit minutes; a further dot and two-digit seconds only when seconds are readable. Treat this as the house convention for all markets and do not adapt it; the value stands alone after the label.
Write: 10.55
